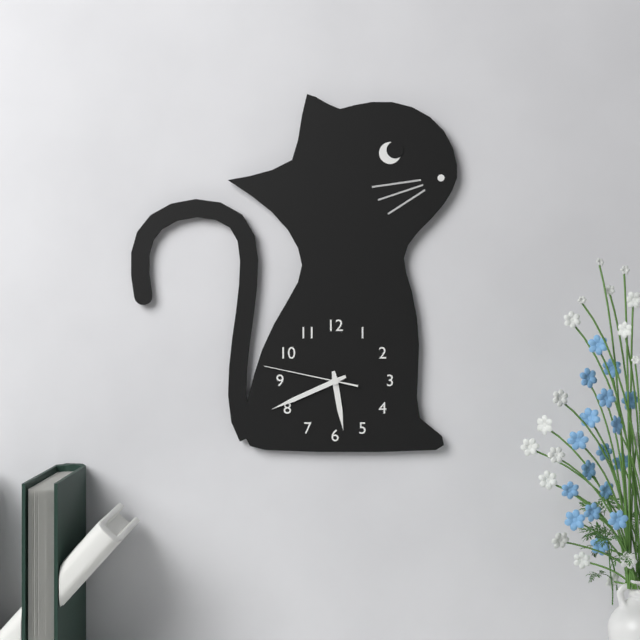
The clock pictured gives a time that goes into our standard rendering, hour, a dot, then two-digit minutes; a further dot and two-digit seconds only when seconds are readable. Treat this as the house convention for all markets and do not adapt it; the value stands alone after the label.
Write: 5.41.47
